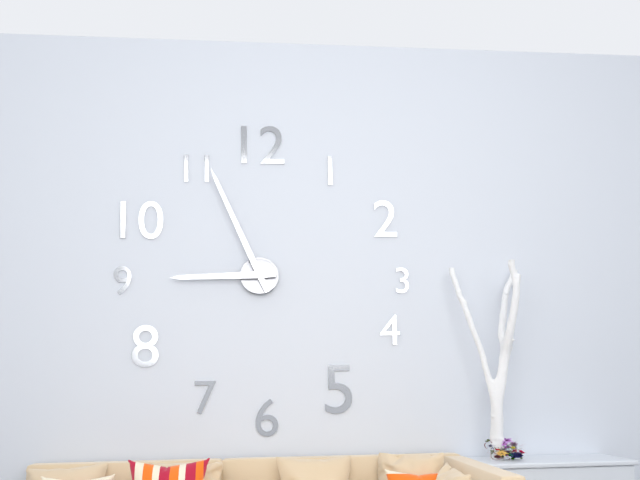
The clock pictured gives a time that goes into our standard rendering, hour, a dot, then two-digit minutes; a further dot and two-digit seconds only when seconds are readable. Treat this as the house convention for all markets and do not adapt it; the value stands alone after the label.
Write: 8.56
